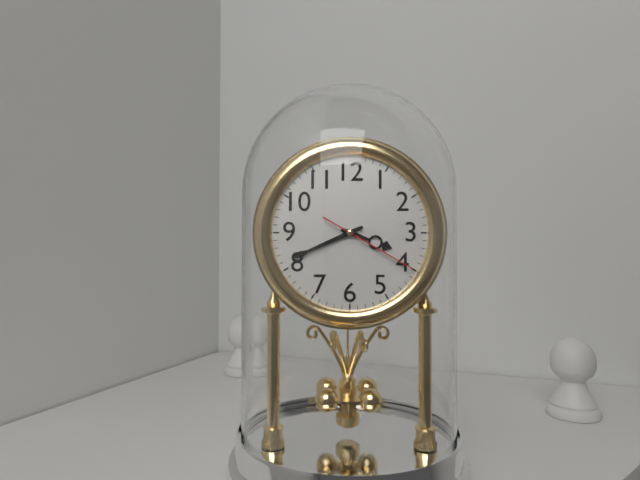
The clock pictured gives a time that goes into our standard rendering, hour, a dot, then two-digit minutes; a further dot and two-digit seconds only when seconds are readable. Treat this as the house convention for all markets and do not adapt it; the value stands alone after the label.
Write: 3.41.20
